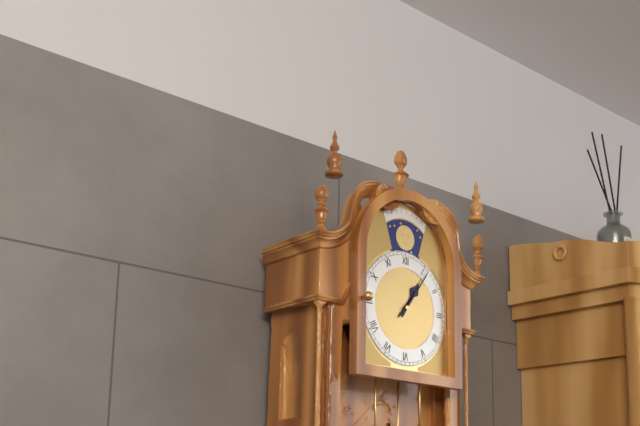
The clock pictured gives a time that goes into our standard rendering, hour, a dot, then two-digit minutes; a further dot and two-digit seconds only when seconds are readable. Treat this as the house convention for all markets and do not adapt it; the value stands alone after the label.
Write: 1.06
